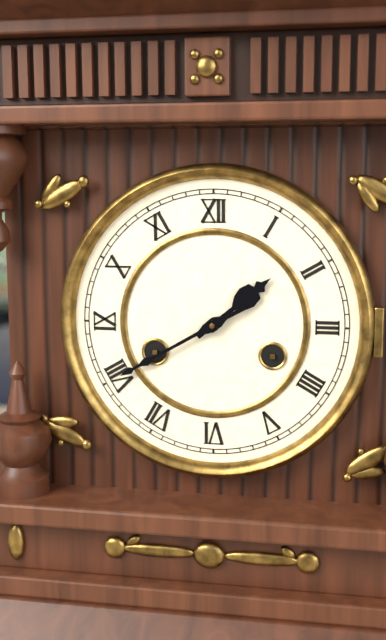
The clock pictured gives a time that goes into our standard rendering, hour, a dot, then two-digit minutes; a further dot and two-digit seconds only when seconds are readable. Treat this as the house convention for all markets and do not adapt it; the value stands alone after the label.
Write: 1.40
